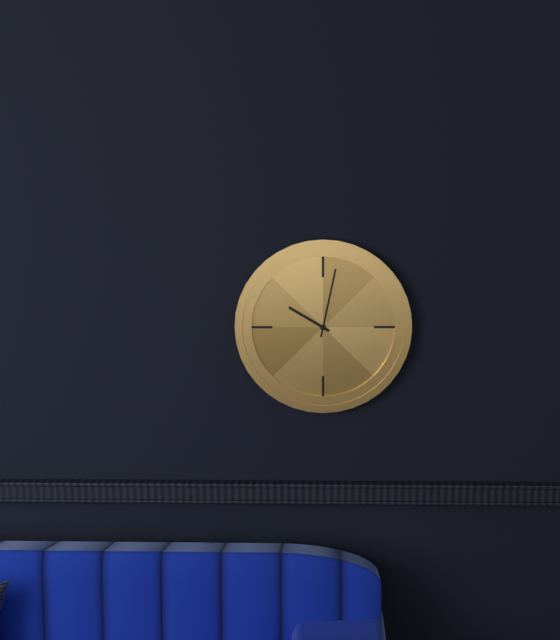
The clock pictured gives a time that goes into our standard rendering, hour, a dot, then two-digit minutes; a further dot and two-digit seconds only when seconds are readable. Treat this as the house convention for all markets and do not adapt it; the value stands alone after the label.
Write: 10.02
